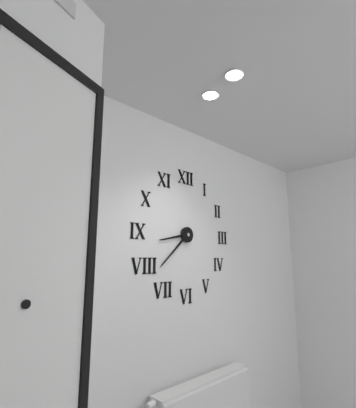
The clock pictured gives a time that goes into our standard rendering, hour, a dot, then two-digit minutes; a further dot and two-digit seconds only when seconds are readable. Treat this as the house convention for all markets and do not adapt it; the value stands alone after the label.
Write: 8.38
